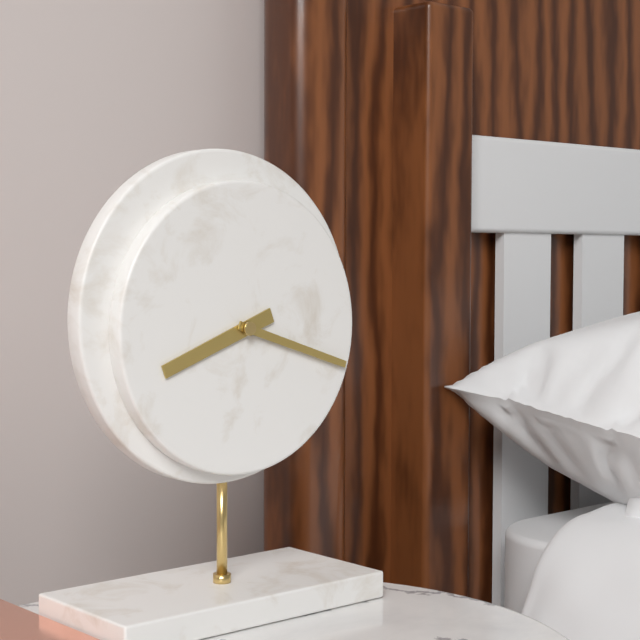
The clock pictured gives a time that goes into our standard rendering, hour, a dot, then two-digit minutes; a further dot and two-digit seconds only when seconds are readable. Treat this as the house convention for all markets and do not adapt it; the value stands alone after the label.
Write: 8.18
